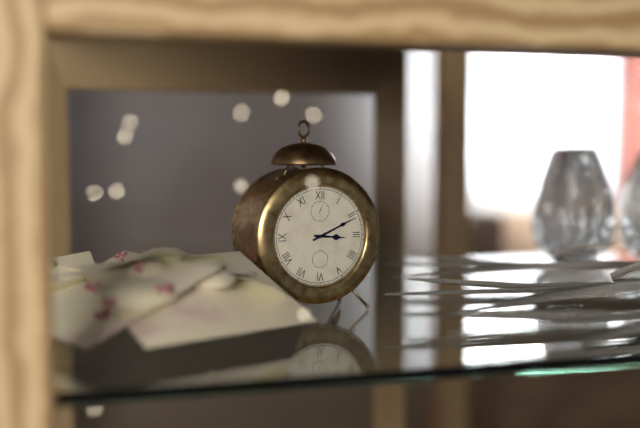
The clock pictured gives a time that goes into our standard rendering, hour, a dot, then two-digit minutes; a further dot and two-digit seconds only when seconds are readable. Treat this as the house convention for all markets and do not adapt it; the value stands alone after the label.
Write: 3.11
